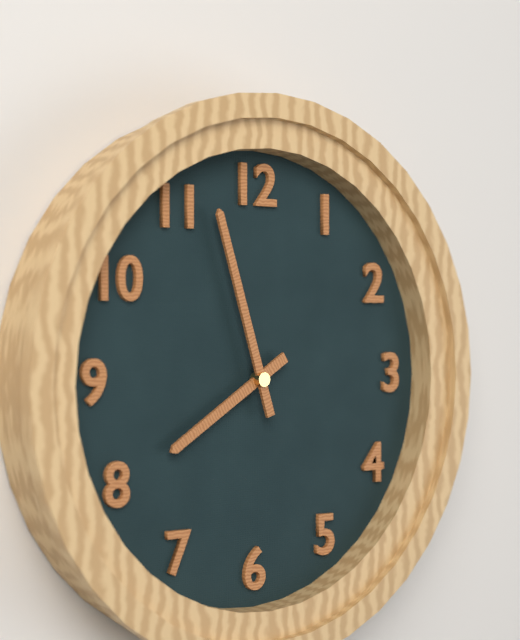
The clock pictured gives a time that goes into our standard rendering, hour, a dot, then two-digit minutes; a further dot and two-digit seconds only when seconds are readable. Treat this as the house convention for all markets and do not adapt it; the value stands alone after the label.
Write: 7.57
